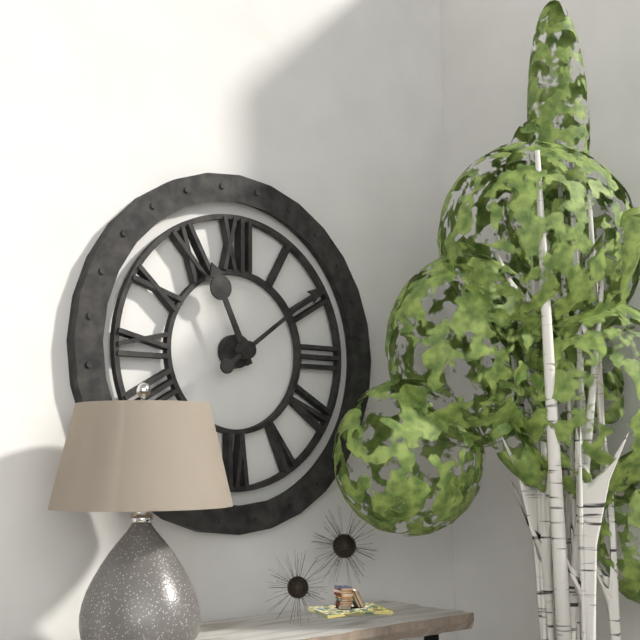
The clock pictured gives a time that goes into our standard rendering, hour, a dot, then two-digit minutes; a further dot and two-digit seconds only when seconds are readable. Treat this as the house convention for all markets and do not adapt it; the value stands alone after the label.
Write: 11.09
